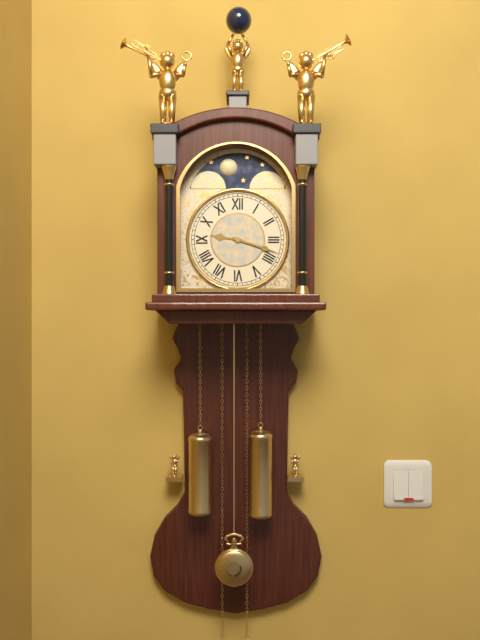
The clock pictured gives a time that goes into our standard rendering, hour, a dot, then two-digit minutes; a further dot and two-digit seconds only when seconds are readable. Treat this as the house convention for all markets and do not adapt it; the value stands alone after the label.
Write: 9.18
